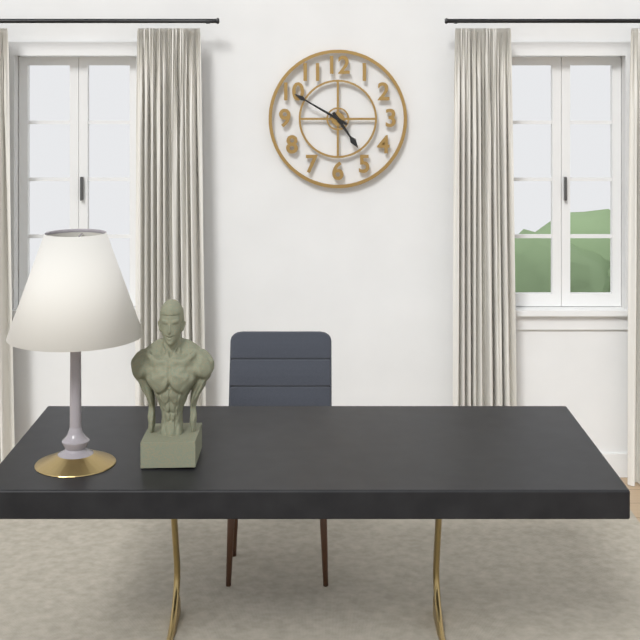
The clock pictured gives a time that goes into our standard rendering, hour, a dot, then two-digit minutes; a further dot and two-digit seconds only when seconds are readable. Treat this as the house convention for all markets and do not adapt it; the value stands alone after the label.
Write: 4.50
